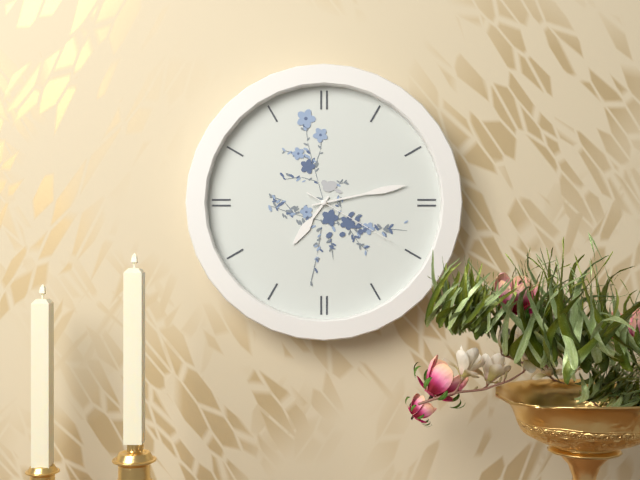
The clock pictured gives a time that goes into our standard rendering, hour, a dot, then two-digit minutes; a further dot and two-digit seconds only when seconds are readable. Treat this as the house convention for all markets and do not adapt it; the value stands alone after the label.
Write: 7.13.20
